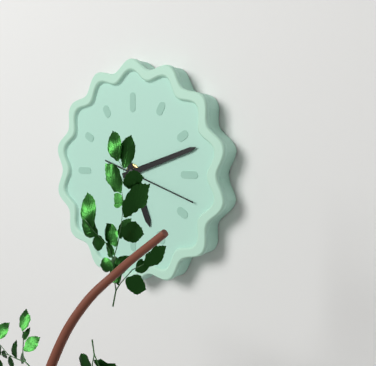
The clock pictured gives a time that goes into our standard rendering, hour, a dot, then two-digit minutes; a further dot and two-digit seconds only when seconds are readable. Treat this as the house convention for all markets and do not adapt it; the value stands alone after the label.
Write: 5.12.18
